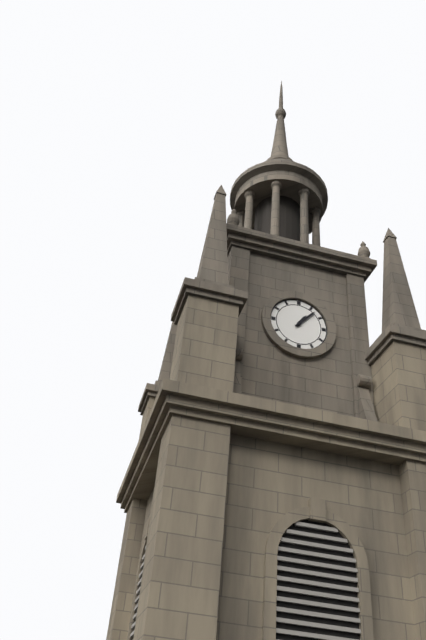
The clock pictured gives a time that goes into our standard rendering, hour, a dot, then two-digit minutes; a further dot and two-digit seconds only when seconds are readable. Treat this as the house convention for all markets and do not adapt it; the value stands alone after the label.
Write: 1.07
